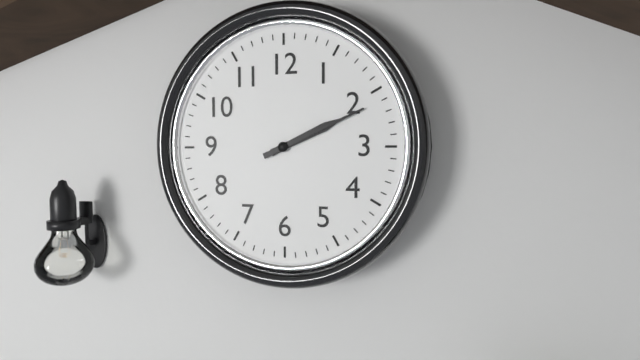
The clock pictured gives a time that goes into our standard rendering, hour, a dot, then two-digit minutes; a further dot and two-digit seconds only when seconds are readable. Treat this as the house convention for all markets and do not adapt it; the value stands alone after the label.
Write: 2.11
